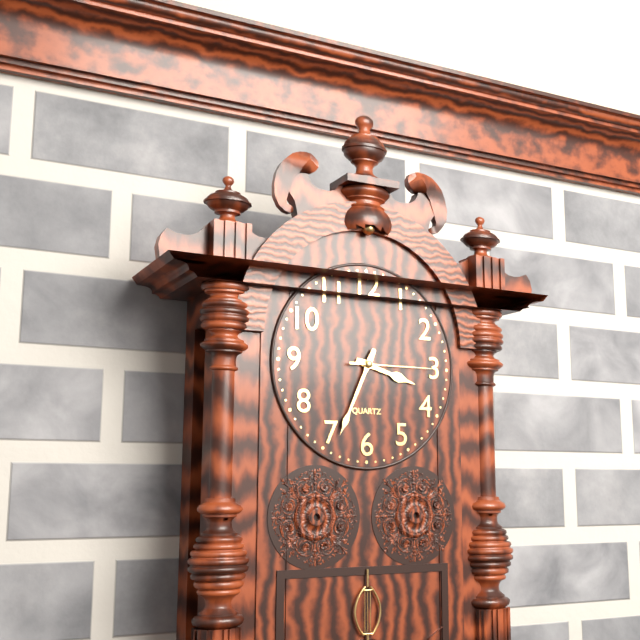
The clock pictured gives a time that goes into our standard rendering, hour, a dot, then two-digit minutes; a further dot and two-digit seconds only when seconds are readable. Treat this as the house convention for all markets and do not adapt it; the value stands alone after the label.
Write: 3.34.15
